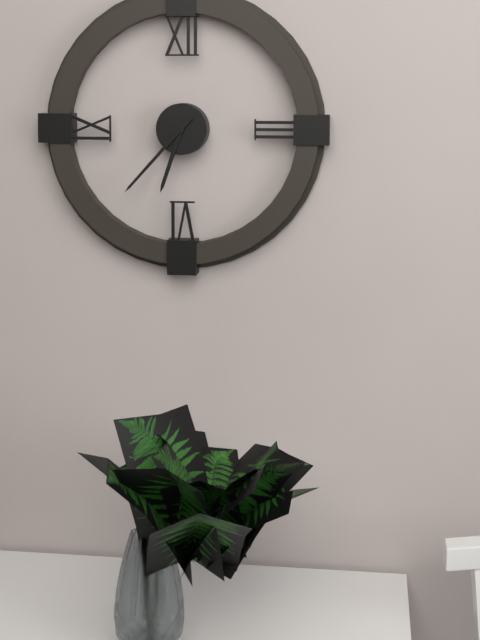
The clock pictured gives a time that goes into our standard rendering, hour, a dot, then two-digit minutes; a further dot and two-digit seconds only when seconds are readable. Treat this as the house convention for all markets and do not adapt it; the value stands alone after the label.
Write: 6.37
